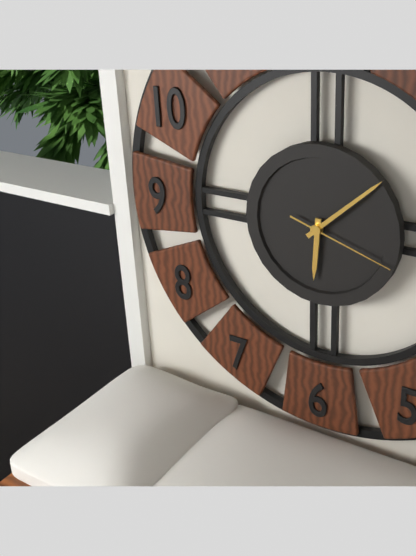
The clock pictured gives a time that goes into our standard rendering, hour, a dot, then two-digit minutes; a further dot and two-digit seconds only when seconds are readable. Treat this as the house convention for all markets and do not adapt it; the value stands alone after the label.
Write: 6.08.18
